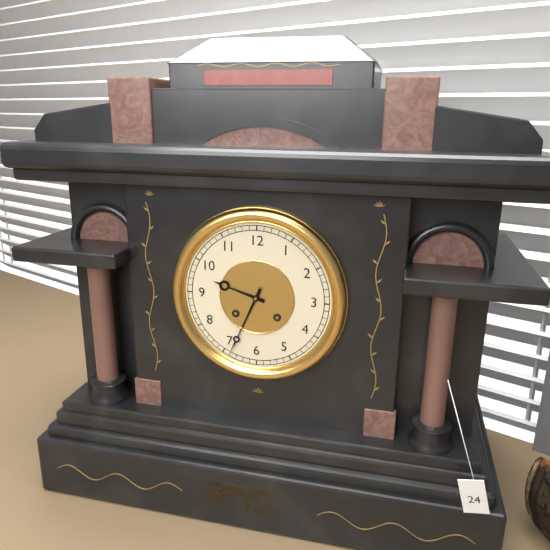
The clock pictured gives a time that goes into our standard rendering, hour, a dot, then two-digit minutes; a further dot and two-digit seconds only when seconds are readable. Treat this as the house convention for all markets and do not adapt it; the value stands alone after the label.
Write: 9.34
